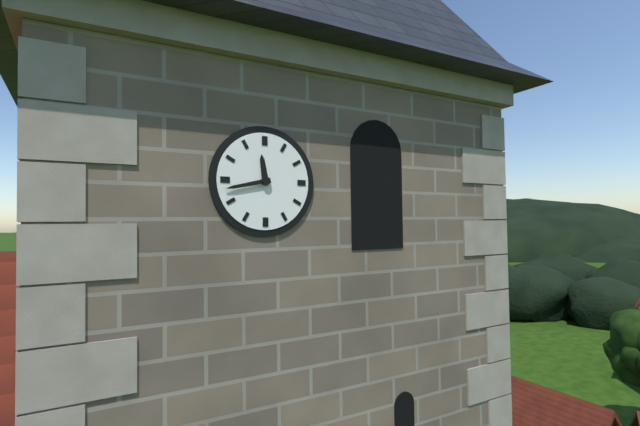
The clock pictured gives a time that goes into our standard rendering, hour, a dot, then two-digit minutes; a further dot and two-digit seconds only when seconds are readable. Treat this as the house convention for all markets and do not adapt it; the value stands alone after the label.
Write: 11.43
